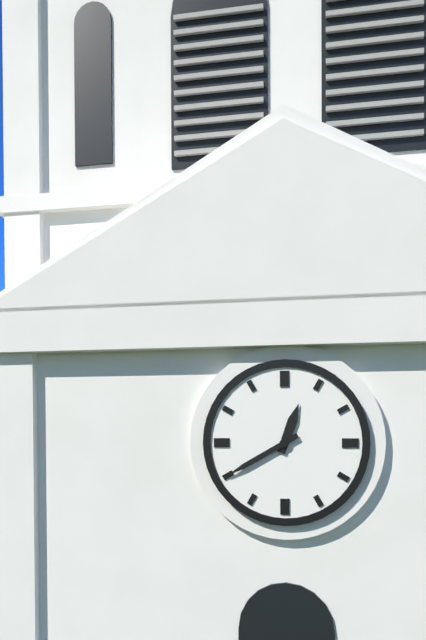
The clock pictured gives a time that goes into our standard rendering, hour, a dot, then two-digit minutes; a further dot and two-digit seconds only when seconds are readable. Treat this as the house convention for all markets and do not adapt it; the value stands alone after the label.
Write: 12.40
